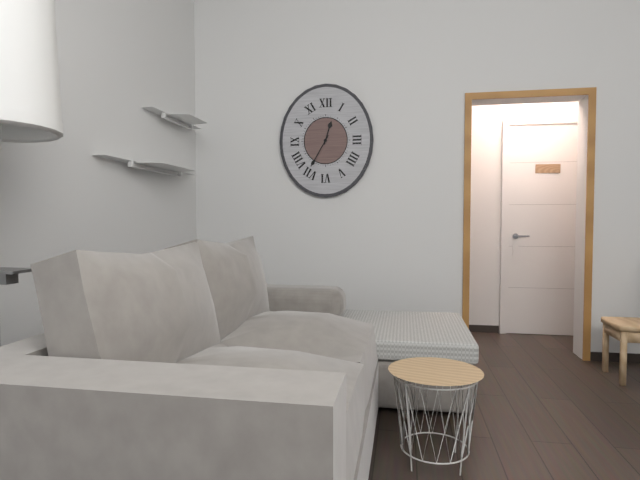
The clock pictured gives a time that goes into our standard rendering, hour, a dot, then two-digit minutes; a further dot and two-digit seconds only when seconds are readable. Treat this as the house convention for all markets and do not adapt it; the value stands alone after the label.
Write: 12.35
